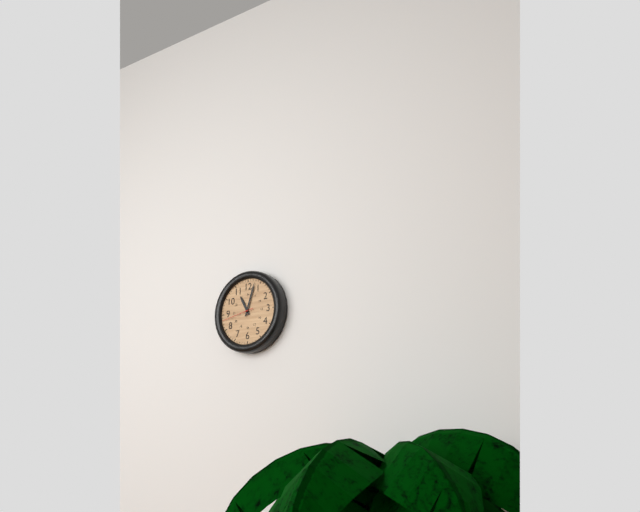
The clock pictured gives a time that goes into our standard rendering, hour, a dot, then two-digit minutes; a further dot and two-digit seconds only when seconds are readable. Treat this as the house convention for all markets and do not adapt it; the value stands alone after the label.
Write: 11.03
